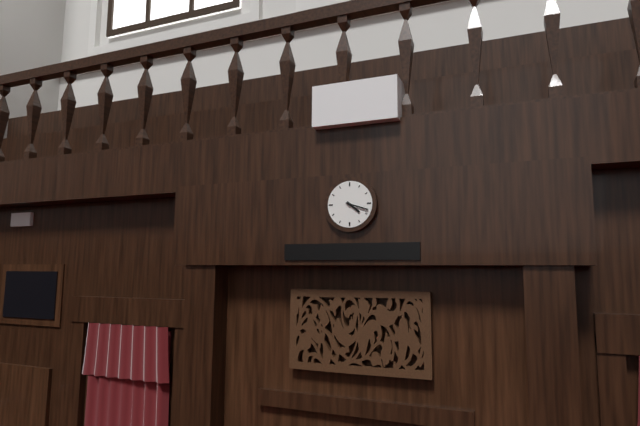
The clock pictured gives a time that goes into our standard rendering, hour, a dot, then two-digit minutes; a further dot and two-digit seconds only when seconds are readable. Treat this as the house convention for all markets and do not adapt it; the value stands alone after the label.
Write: 4.18
